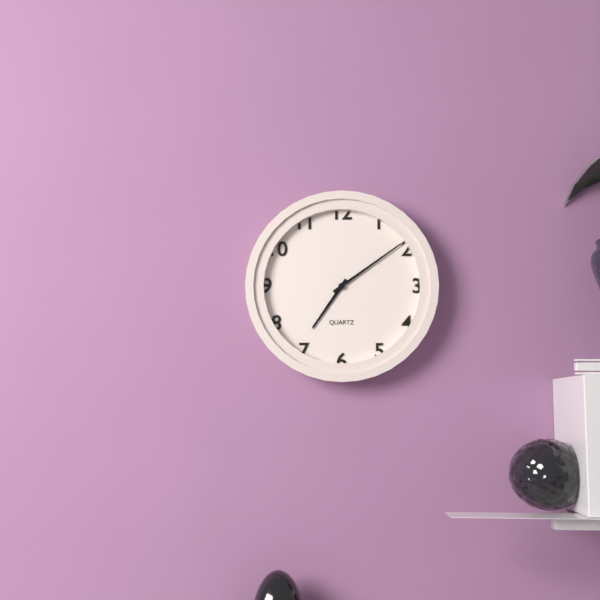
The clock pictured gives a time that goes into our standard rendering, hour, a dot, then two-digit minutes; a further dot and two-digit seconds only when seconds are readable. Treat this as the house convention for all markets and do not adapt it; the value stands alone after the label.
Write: 7.09
